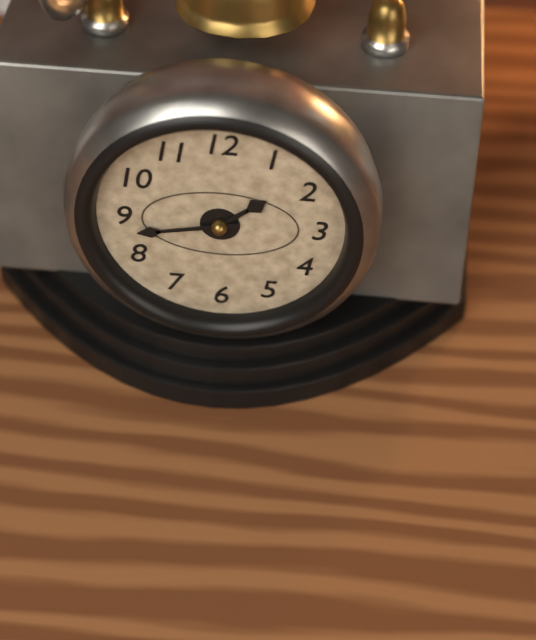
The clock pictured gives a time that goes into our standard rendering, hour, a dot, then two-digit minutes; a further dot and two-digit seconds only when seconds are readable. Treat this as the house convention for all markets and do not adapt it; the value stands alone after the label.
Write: 1.43
